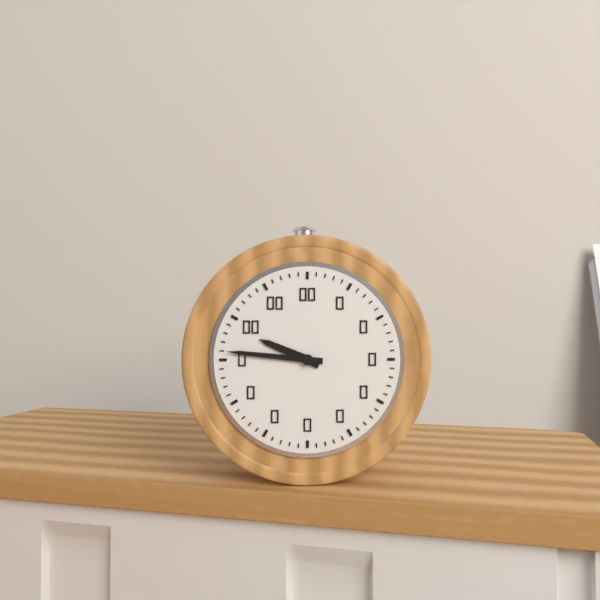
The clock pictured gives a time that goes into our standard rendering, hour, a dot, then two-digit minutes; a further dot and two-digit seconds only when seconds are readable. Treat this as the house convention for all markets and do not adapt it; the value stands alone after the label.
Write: 9.46
